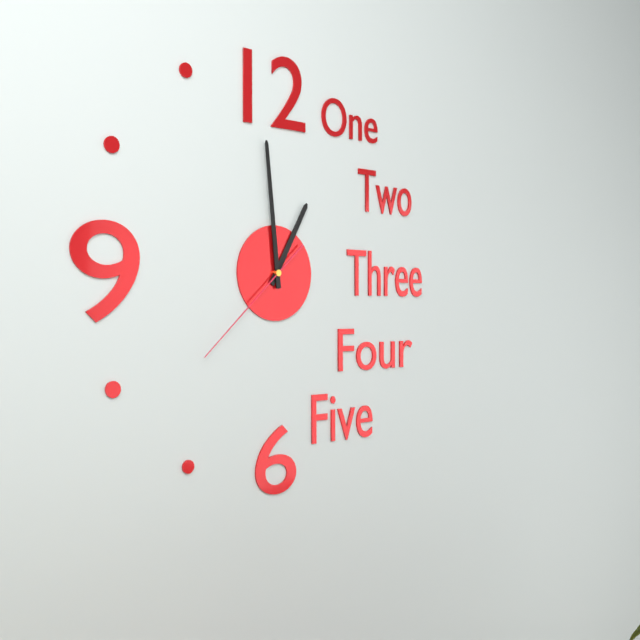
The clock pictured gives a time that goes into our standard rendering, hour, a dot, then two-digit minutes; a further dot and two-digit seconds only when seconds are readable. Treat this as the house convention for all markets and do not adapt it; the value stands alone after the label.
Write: 12.59.38
